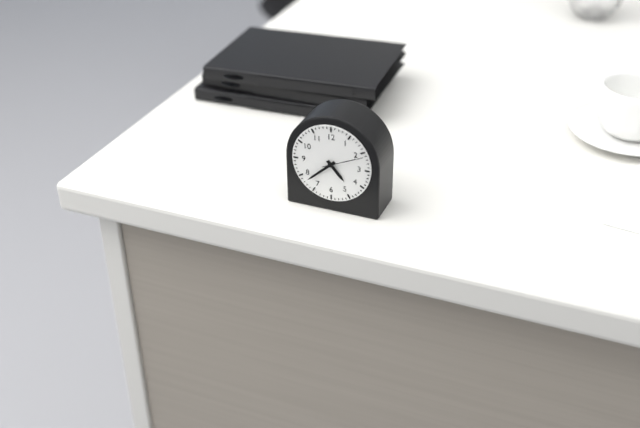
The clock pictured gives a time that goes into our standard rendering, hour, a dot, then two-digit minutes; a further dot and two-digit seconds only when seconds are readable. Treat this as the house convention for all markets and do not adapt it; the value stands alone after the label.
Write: 4.38
